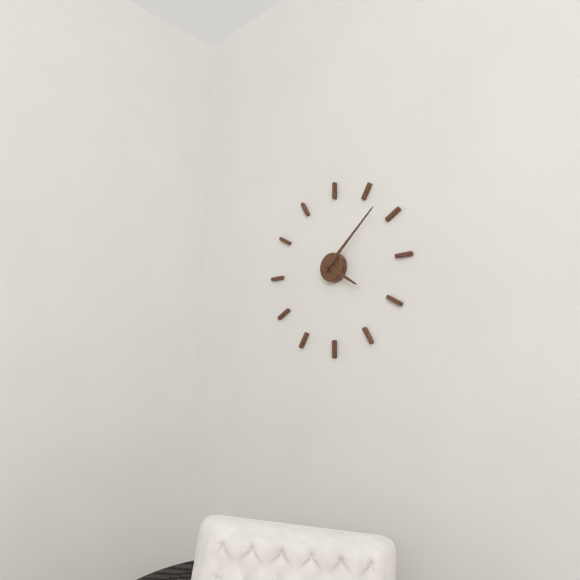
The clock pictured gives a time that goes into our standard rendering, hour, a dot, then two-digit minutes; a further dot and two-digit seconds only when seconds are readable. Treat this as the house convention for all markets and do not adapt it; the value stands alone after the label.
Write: 4.08
